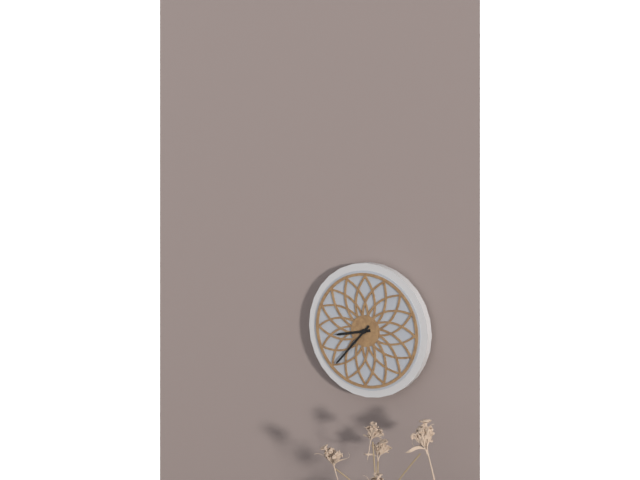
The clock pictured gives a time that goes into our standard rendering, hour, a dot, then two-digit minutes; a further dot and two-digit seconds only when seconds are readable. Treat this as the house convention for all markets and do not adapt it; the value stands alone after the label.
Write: 8.37
